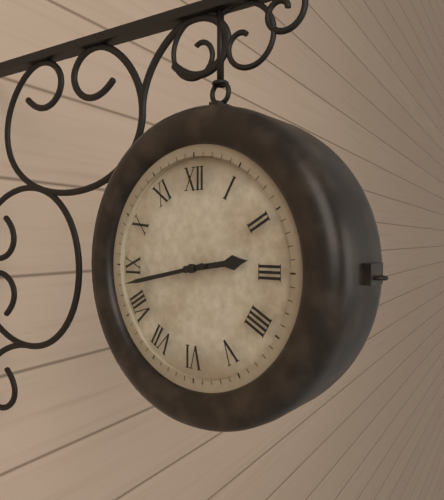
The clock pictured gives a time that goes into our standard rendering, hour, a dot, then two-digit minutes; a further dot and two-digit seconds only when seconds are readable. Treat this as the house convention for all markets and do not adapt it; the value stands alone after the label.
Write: 2.43
